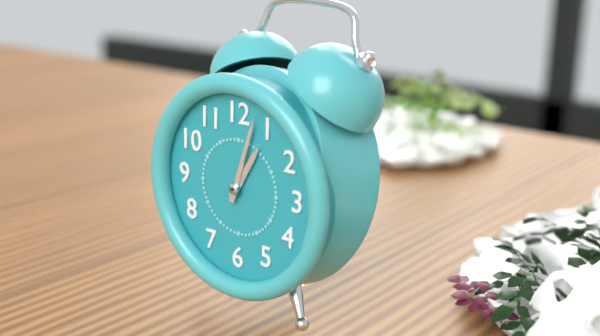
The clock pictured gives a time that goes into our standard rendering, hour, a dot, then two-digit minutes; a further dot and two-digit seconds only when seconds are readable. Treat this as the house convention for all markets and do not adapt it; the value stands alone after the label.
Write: 1.03
